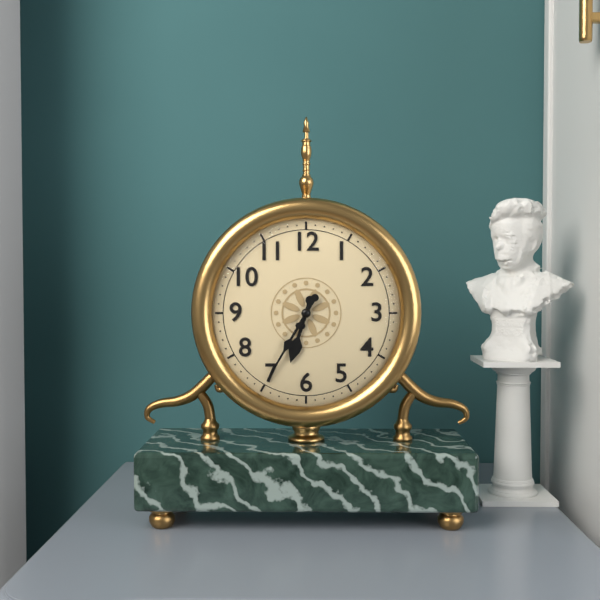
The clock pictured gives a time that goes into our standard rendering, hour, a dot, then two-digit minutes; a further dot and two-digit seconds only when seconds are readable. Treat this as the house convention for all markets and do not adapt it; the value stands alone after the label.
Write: 6.35
